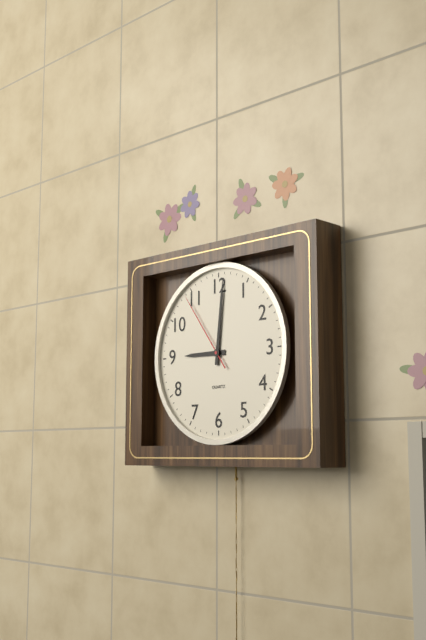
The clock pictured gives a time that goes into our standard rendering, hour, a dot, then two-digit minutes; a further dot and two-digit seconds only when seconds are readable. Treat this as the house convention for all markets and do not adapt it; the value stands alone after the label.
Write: 9.01.54
